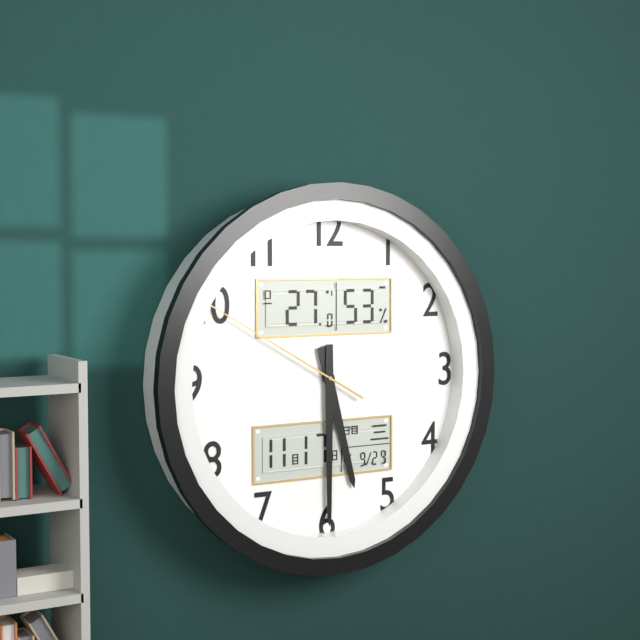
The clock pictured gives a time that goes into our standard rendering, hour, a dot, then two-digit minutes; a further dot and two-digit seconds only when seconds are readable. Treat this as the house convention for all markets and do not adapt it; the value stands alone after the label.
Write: 5.30.50
